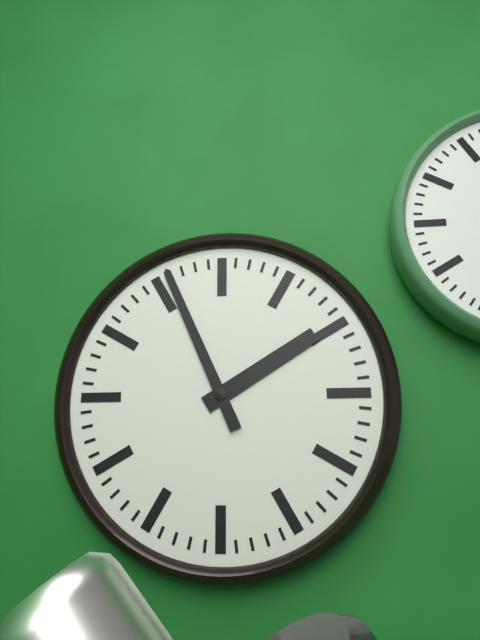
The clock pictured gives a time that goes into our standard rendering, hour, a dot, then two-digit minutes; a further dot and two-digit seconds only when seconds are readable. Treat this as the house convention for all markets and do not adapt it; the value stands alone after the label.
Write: 1.56
